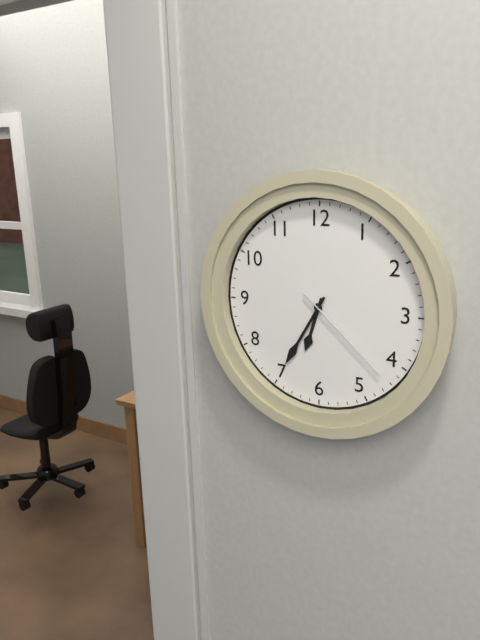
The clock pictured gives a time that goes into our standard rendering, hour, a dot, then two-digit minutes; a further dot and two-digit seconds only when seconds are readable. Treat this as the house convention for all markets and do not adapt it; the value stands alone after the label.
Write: 6.35.22
